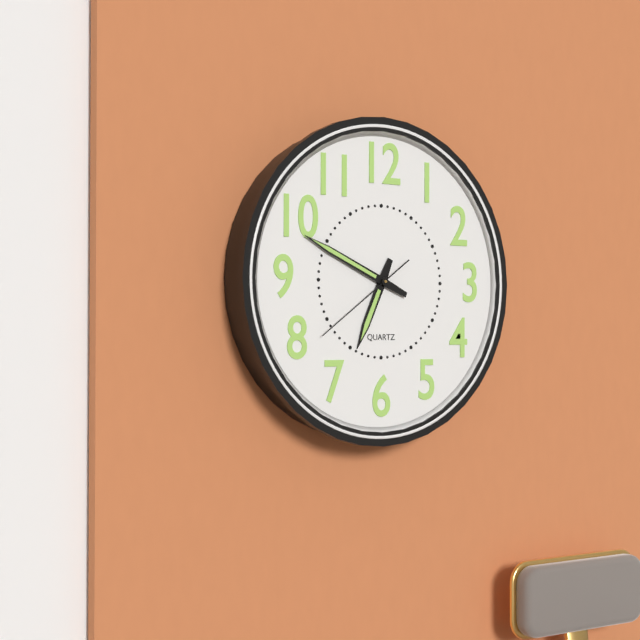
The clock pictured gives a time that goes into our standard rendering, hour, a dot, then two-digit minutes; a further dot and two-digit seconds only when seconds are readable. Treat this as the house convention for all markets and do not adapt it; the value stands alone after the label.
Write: 6.49.39
